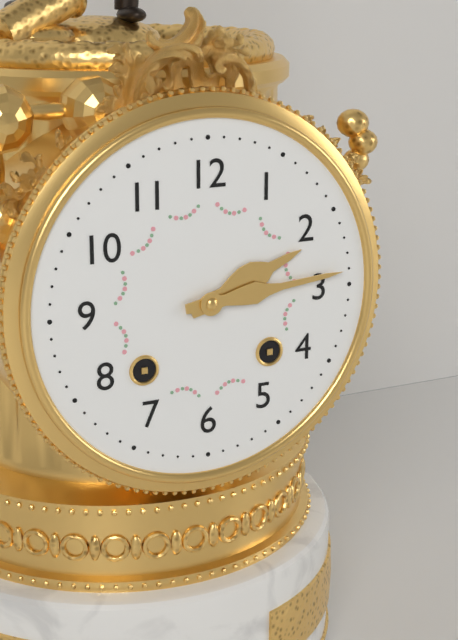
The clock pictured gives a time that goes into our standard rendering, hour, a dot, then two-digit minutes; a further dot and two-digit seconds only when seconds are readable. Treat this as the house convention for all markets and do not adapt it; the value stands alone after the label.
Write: 2.14
